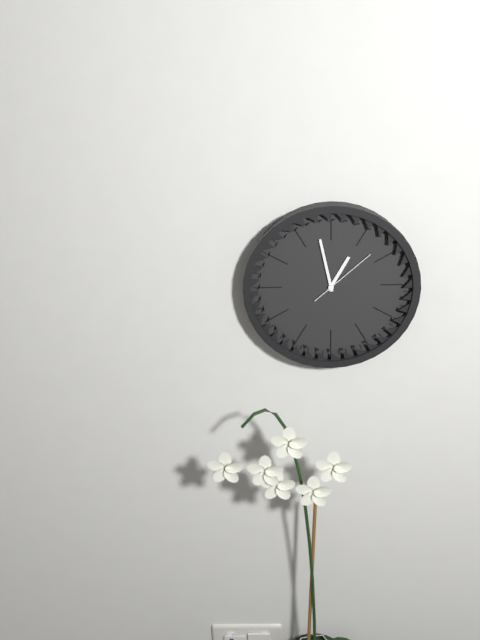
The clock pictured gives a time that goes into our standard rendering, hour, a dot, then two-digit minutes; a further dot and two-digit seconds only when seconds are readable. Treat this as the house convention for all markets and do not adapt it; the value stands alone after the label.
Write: 12.58.08
